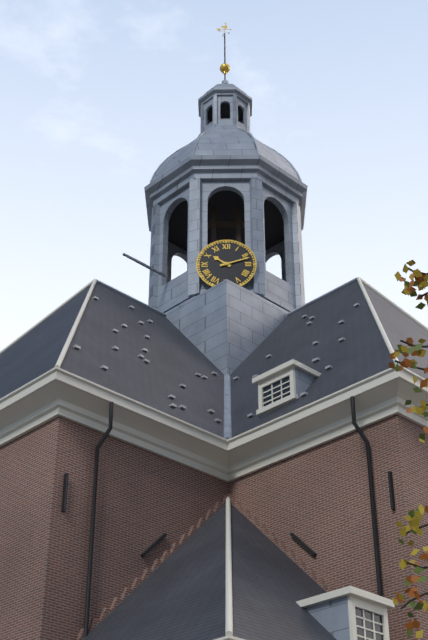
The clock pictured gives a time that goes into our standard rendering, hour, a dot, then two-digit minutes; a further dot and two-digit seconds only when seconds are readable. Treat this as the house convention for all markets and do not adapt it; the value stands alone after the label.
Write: 10.12
